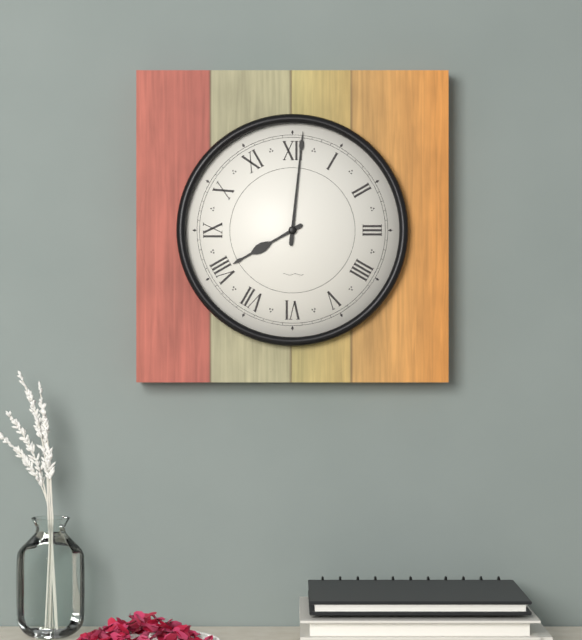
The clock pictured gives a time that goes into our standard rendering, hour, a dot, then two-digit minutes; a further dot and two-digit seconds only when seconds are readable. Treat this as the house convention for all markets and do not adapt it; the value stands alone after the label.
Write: 8.01
